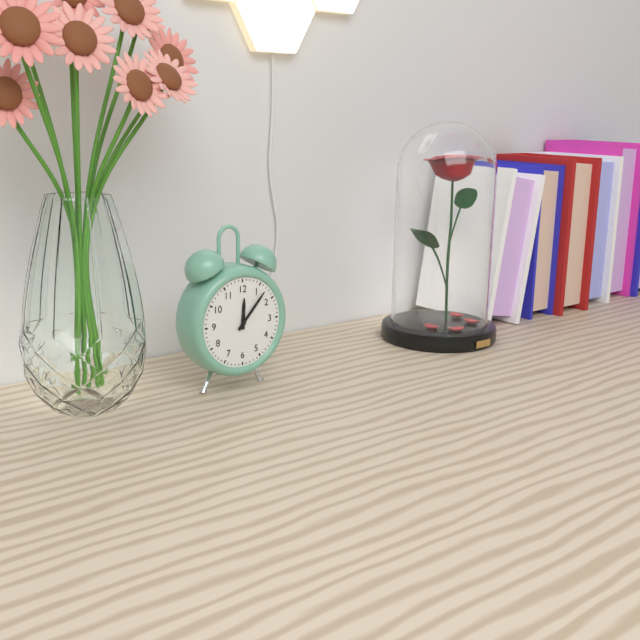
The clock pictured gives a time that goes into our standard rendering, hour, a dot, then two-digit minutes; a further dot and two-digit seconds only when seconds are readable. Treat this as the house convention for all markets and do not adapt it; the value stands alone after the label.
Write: 12.07
